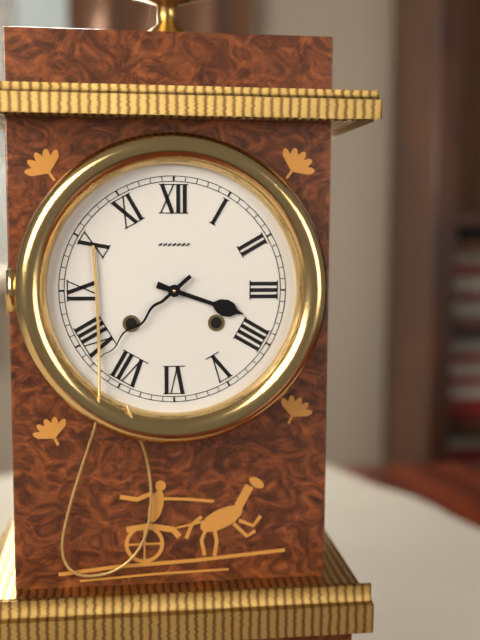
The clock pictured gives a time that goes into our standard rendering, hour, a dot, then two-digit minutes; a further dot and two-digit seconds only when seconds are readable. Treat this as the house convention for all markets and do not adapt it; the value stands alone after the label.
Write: 3.38
